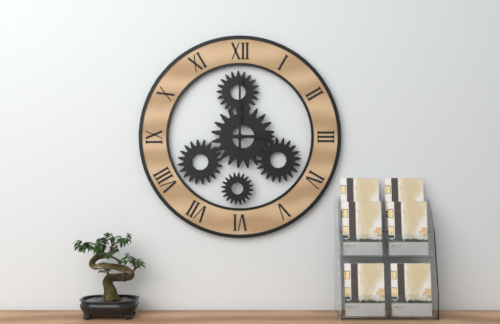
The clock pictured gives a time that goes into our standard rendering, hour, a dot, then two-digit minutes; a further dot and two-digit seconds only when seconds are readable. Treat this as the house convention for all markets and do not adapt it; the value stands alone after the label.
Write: 3.00
